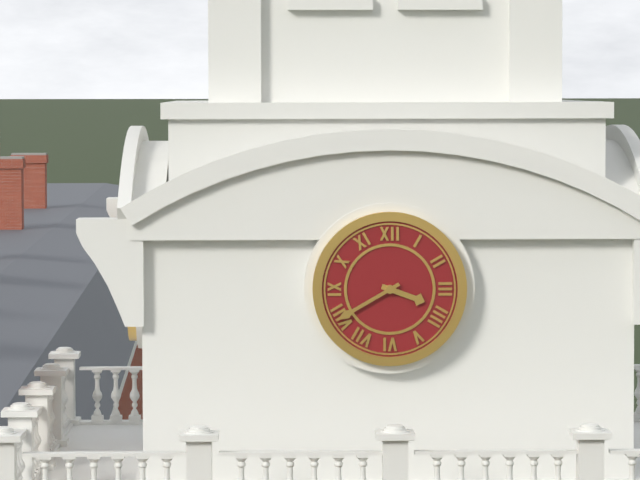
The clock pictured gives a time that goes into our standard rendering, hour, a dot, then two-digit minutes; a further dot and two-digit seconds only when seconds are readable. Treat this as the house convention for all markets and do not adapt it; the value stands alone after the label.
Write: 3.40
